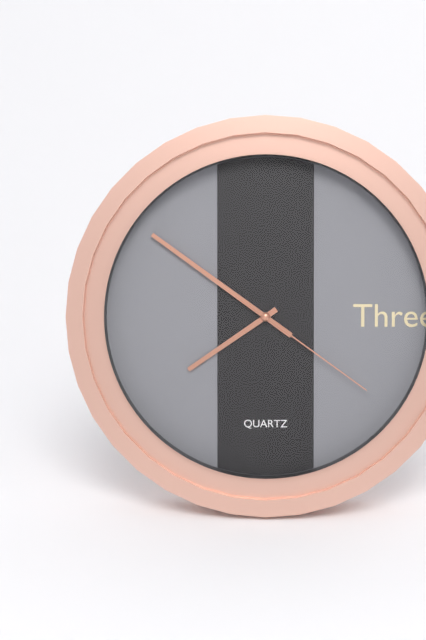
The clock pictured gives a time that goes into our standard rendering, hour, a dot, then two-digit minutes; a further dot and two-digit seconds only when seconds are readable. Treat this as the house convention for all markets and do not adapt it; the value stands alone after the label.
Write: 7.51.21
